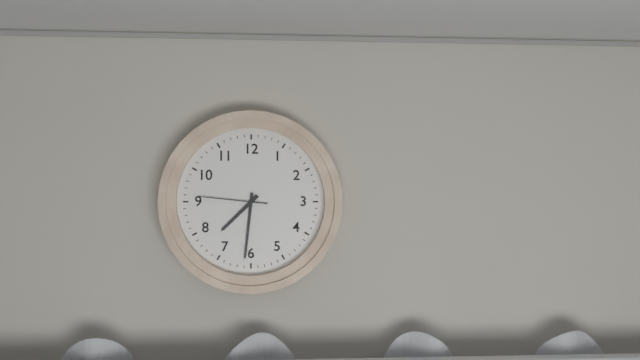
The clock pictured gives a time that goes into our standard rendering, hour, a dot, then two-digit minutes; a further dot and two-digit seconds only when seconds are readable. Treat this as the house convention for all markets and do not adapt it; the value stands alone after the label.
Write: 7.31.46
